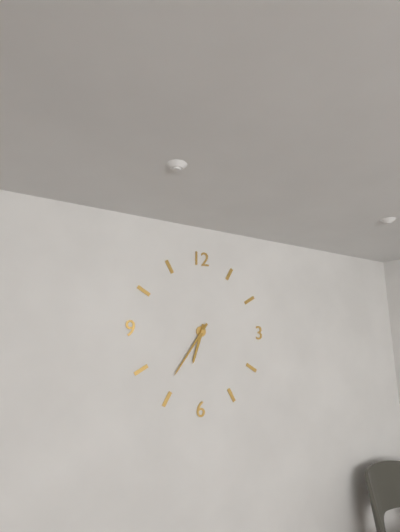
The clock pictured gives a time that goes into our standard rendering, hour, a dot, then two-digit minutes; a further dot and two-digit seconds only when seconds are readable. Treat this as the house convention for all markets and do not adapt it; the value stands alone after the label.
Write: 6.36
